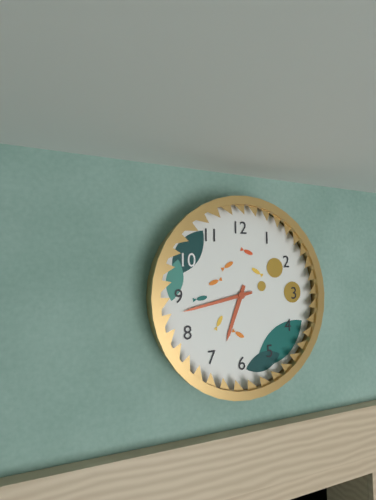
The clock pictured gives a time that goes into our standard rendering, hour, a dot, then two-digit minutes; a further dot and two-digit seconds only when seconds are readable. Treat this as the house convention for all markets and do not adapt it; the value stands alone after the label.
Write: 6.43
